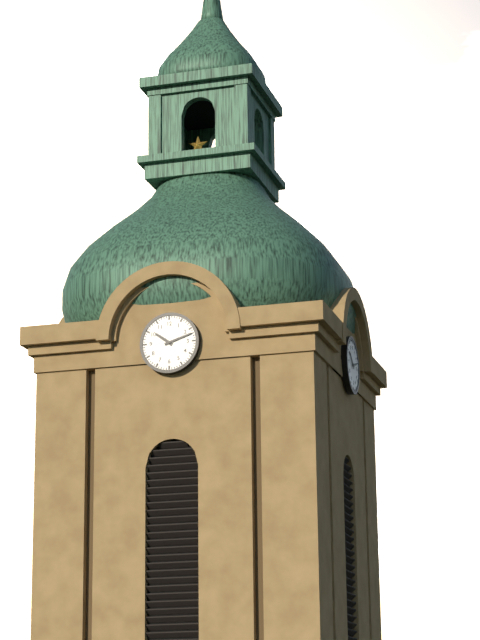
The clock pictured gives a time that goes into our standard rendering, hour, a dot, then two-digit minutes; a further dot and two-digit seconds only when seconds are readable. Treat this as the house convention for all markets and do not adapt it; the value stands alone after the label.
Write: 10.12
